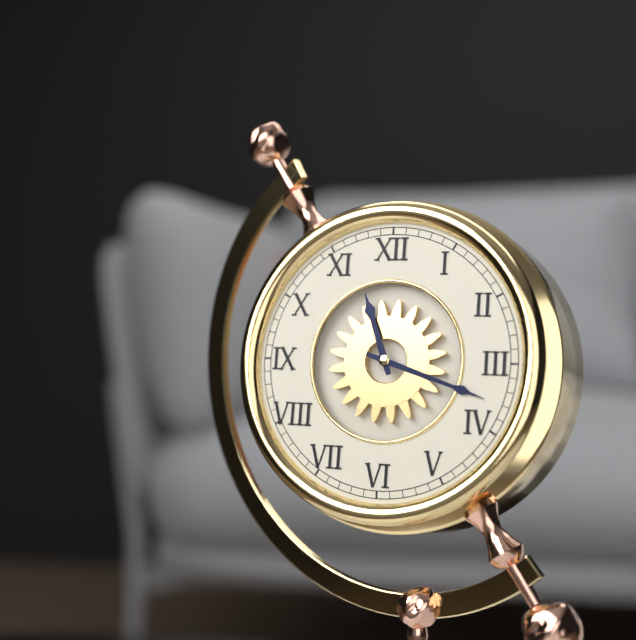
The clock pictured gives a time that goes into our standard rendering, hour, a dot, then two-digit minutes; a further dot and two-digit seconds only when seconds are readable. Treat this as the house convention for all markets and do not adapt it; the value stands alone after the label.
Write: 11.18
